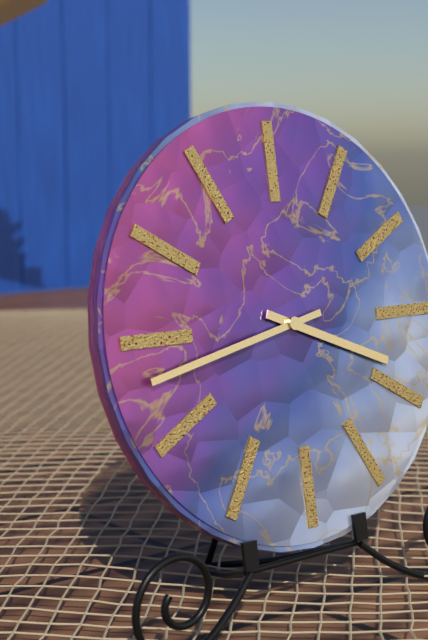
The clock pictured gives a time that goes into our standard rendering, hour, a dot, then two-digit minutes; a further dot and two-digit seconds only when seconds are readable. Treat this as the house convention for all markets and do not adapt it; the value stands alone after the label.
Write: 3.43
